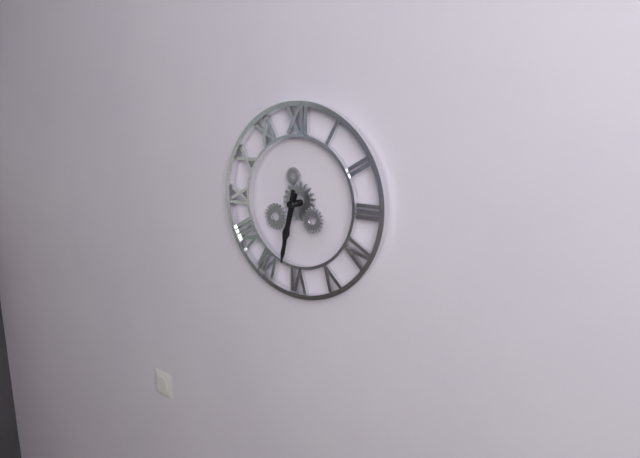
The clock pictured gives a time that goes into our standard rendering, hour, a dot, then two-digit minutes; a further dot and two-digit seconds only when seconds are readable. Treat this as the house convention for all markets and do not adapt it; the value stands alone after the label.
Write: 6.32
